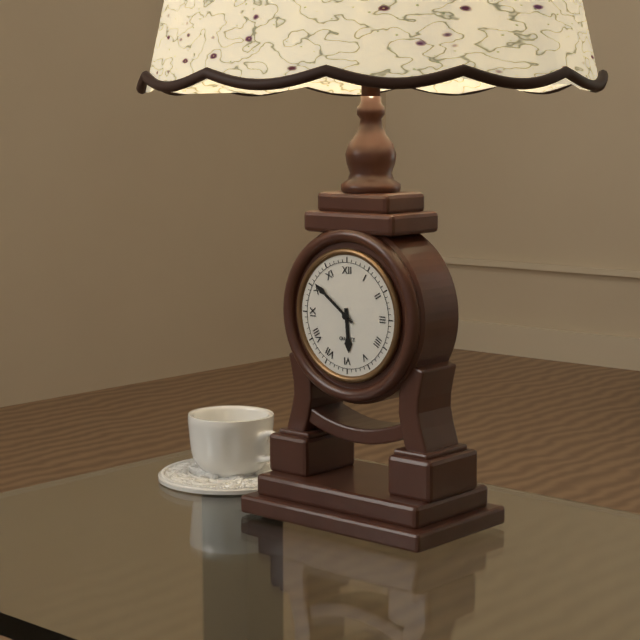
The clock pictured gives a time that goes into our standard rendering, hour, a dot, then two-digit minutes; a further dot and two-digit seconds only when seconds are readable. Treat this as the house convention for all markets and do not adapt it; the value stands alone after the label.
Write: 5.51
